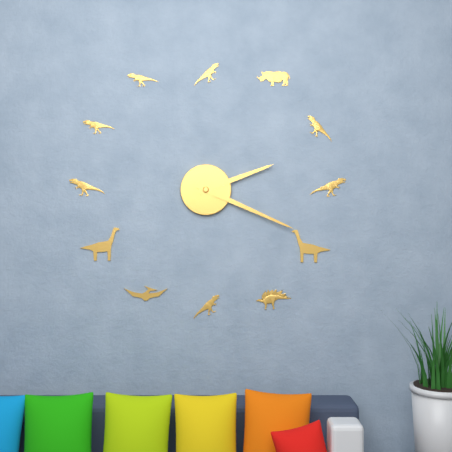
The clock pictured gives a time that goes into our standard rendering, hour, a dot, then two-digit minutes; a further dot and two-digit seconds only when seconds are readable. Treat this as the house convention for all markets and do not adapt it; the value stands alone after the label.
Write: 2.19
